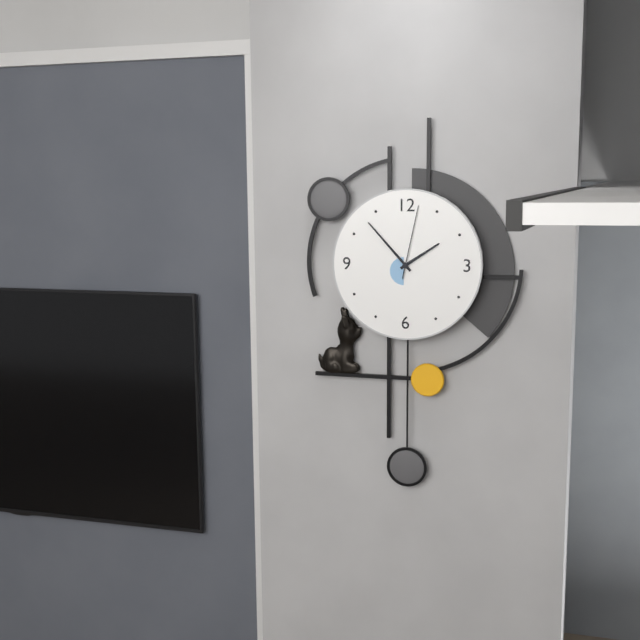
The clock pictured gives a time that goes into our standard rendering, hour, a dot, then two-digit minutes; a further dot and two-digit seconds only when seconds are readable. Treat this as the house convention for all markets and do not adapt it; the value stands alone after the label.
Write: 1.53.02
